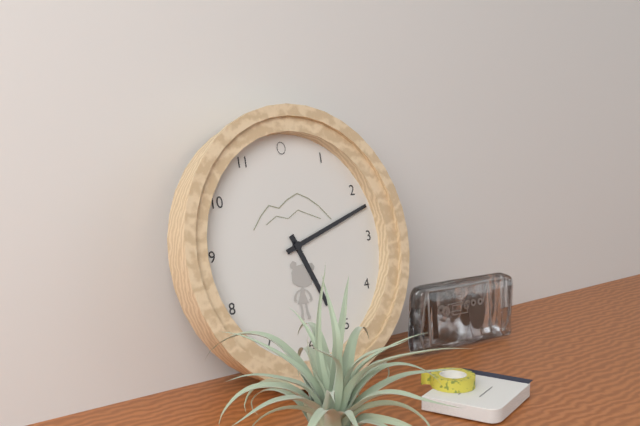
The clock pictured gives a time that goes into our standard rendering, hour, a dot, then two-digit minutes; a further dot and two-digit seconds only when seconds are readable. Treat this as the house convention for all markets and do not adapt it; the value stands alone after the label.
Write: 5.12
